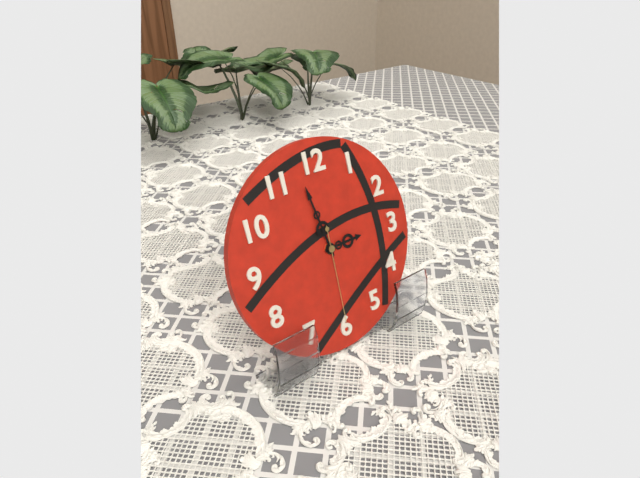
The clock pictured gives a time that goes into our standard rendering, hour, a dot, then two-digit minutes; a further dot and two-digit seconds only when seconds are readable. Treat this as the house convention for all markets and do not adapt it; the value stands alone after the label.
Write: 2.58.30
